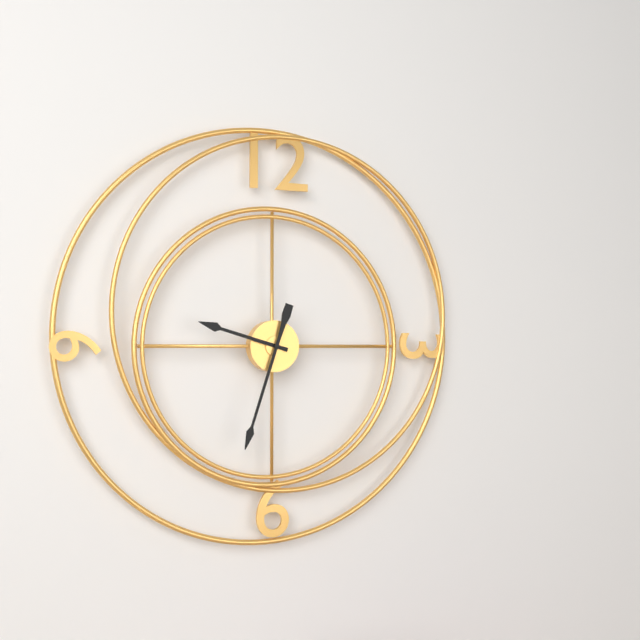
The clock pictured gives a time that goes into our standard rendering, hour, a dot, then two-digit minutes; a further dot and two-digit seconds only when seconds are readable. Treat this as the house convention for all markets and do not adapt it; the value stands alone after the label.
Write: 9.33
